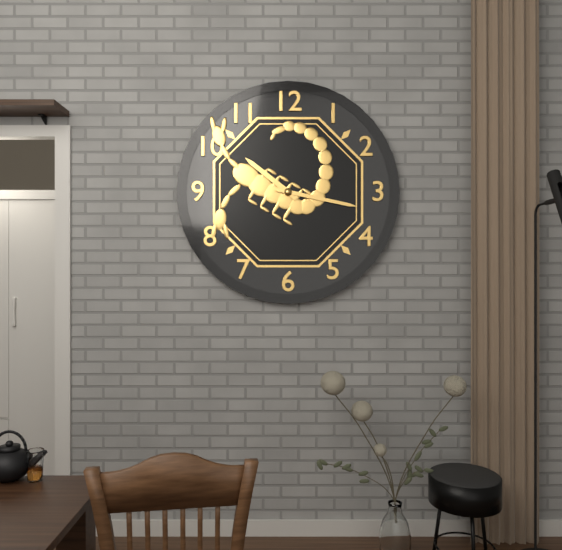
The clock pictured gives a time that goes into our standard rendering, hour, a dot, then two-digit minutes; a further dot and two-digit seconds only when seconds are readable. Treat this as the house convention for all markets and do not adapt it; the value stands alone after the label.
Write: 10.17
